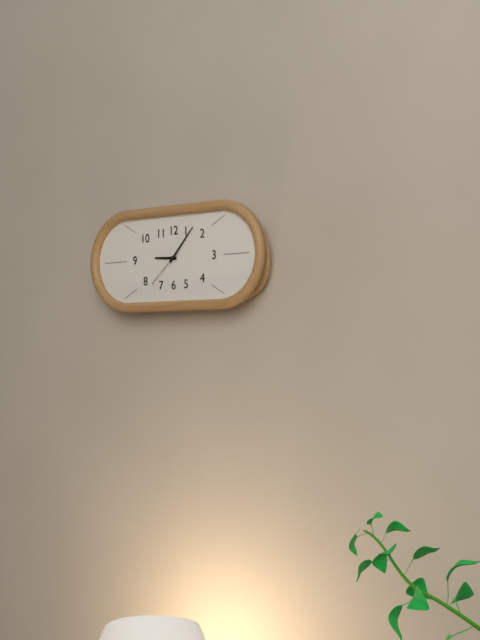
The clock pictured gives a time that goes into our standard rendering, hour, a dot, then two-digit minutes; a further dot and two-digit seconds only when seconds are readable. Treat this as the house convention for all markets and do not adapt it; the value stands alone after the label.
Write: 9.07
